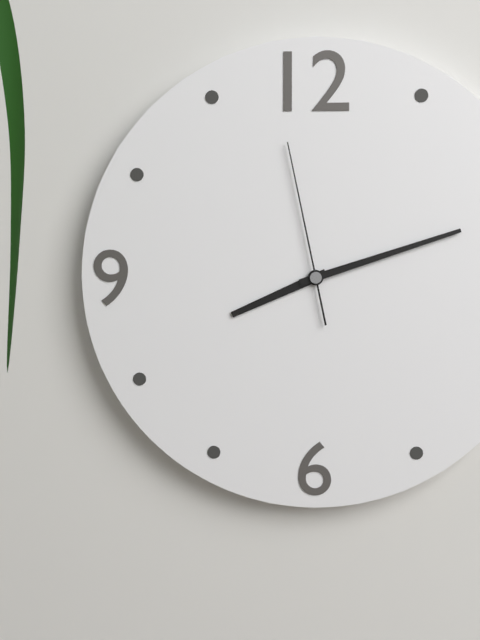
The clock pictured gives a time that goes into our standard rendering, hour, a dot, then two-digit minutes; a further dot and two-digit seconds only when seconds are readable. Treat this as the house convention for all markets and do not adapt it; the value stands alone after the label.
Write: 8.12.58
